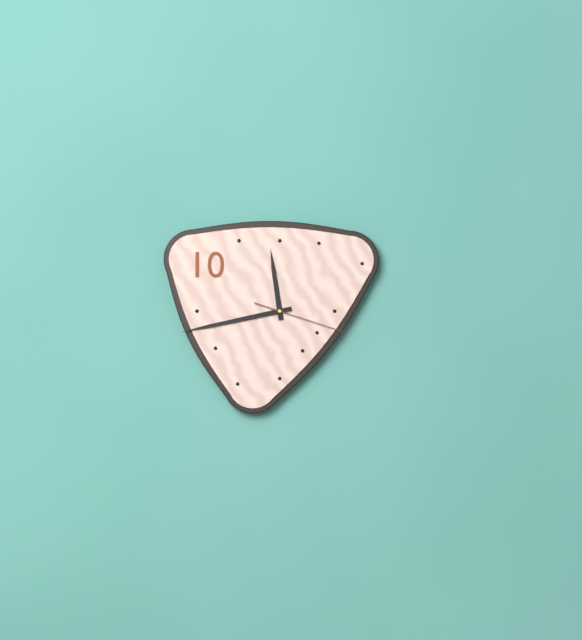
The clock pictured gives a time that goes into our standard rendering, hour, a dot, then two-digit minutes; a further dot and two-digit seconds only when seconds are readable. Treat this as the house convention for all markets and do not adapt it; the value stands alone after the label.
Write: 11.43.18
